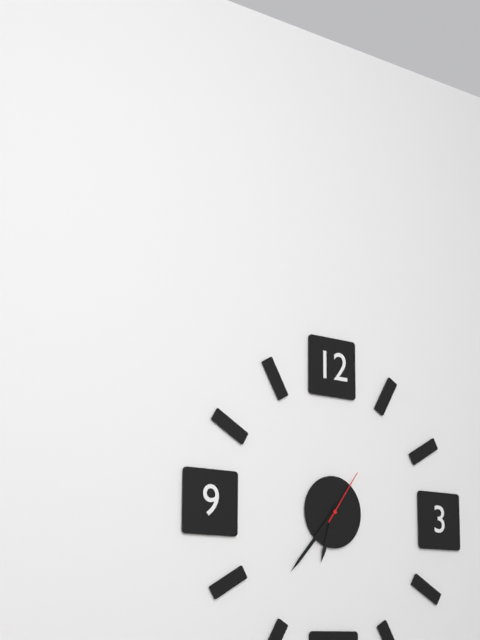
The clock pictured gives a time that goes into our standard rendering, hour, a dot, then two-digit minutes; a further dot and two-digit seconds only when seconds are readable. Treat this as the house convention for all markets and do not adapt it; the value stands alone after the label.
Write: 6.37.06
